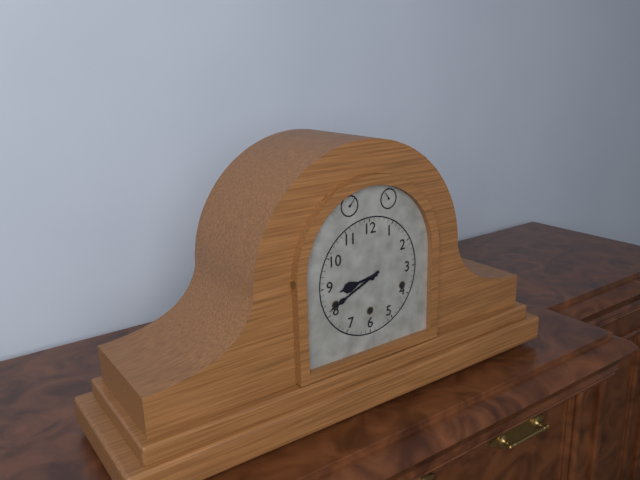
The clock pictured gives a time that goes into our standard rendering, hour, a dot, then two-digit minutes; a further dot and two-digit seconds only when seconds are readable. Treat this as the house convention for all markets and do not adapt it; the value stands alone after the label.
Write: 8.41
